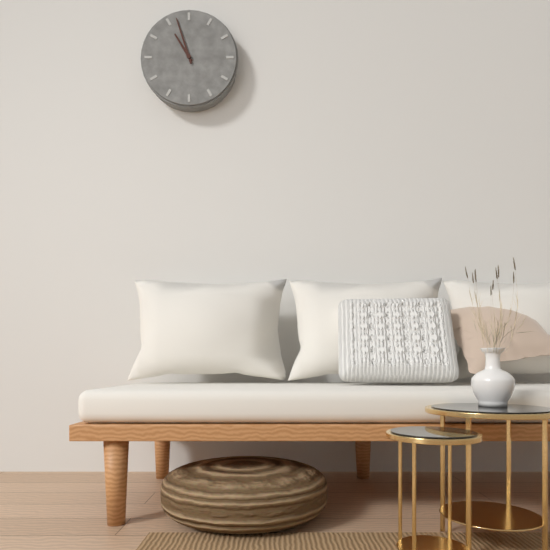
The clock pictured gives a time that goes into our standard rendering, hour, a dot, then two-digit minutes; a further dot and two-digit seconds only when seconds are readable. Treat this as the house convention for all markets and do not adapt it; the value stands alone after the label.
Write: 10.57
